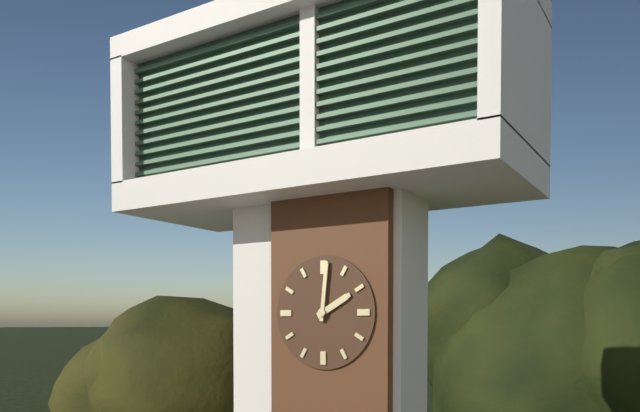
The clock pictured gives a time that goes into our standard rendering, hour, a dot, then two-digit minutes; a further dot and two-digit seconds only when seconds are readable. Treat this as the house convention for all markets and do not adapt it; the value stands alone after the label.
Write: 2.01
